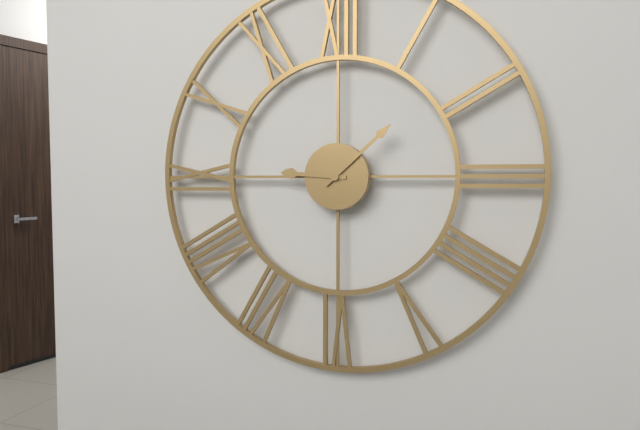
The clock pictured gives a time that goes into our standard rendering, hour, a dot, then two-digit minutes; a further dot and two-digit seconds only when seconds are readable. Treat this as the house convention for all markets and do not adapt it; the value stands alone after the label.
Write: 9.08
